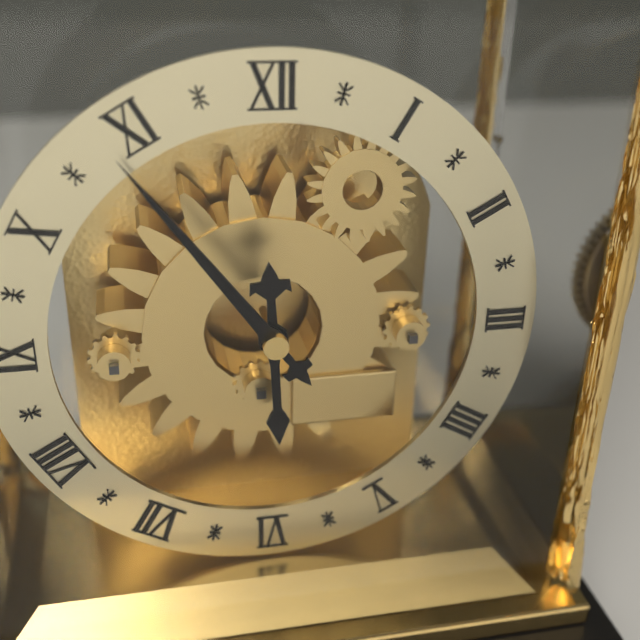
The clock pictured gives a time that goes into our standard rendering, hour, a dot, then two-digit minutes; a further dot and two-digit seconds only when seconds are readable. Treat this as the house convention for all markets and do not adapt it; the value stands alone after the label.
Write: 5.54
